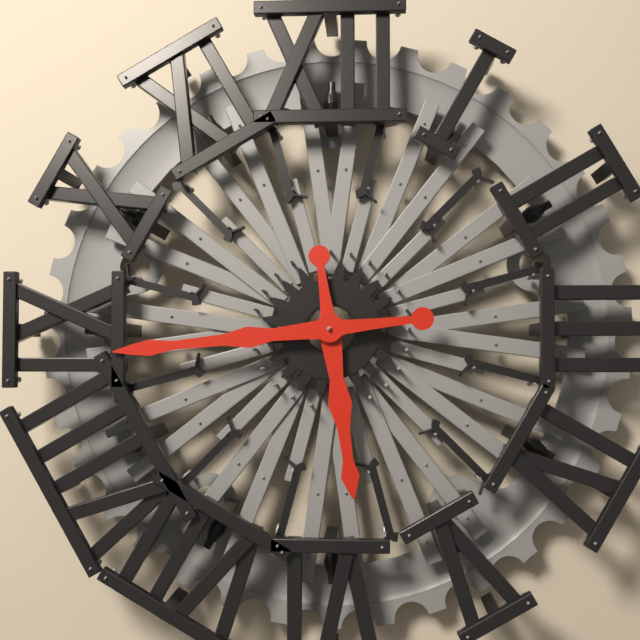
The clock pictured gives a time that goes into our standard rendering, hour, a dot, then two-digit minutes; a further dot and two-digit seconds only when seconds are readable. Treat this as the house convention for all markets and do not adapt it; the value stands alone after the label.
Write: 5.44
